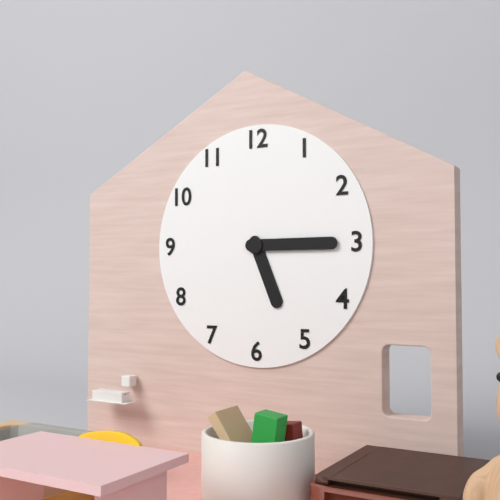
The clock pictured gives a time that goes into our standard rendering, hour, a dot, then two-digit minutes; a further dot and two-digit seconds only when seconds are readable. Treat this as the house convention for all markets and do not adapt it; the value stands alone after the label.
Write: 5.15
